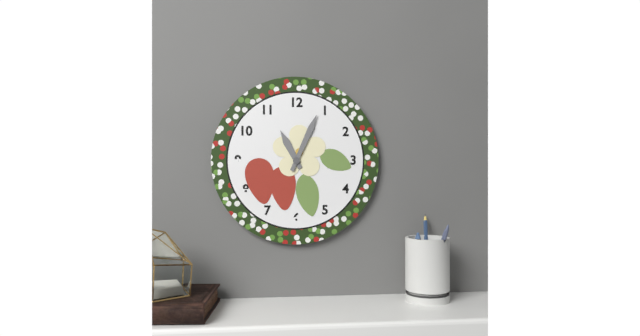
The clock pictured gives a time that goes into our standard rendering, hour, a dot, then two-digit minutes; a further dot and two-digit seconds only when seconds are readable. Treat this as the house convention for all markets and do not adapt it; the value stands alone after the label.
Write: 11.04
